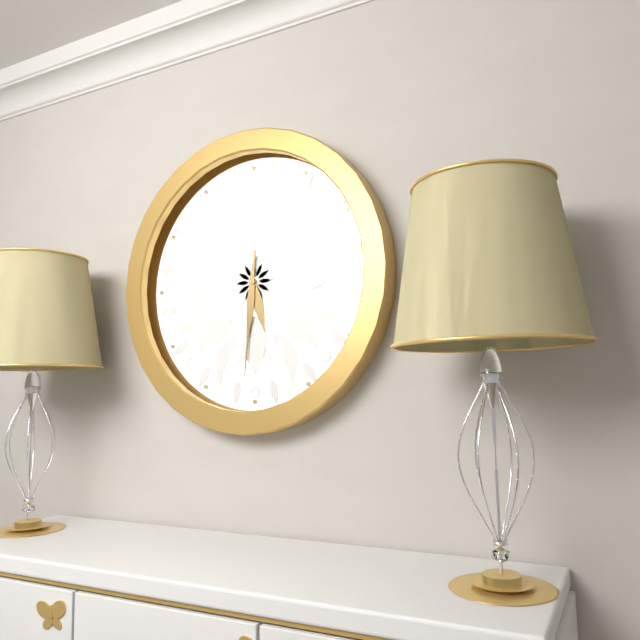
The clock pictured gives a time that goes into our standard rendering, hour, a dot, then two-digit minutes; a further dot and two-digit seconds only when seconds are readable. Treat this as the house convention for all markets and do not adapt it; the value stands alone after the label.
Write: 5.31
